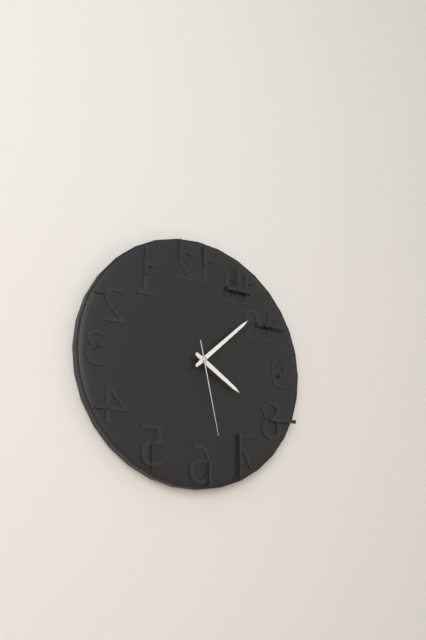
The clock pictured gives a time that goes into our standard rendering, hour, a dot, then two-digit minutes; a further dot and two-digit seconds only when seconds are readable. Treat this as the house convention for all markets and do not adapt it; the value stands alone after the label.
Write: 4.08.28
